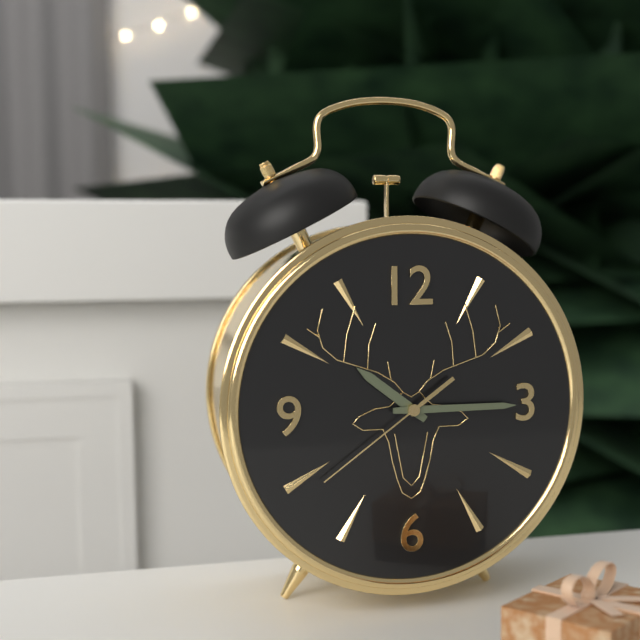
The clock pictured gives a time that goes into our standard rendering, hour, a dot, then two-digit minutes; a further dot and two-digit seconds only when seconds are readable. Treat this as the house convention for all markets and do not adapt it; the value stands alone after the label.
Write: 10.15.39
